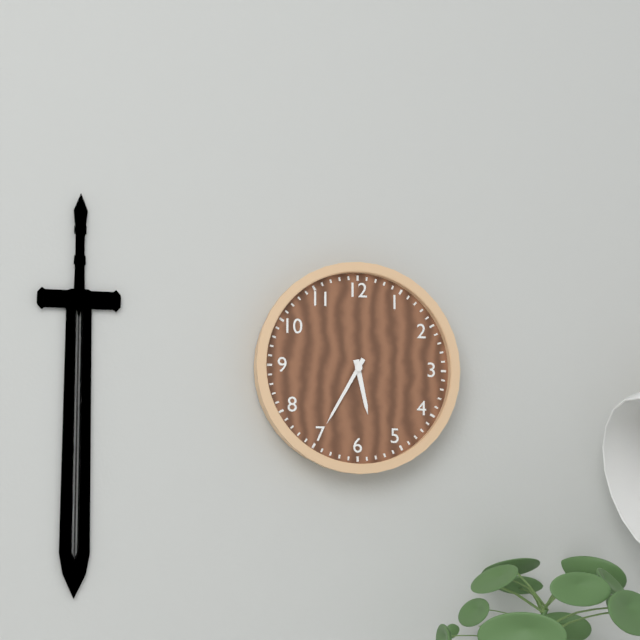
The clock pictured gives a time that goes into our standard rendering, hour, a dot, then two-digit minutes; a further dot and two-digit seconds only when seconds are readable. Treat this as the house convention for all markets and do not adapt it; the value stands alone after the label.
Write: 5.35
